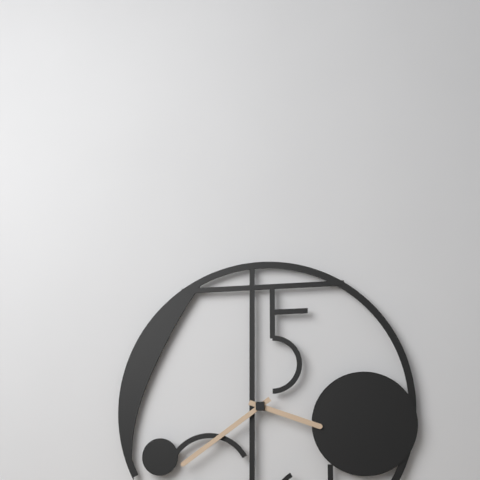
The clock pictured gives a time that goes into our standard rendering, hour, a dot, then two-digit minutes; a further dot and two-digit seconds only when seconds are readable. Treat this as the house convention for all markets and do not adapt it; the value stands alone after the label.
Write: 3.39
